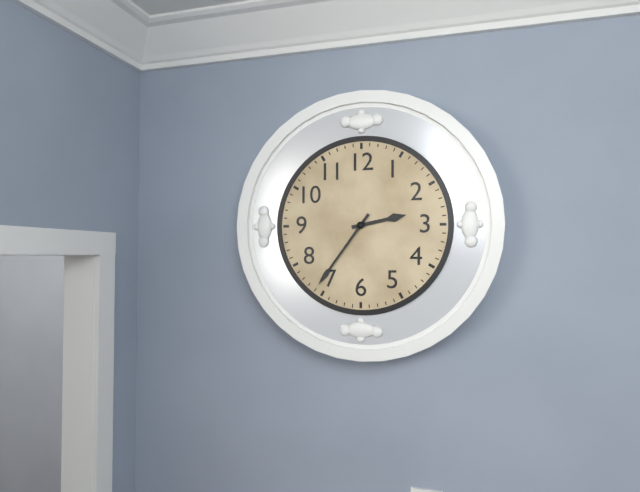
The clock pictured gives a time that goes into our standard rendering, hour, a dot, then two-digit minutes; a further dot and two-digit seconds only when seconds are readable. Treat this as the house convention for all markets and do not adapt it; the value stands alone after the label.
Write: 2.36
